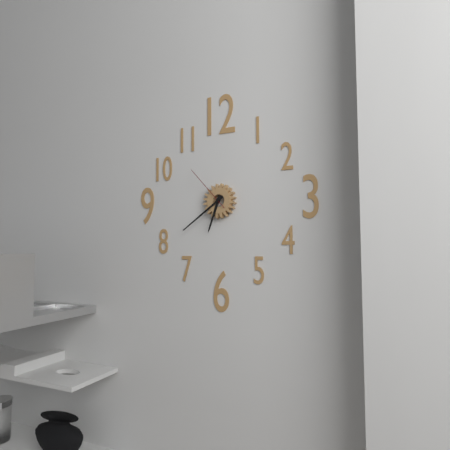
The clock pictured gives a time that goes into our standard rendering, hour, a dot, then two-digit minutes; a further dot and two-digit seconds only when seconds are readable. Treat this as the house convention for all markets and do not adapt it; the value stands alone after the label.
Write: 6.39.53
